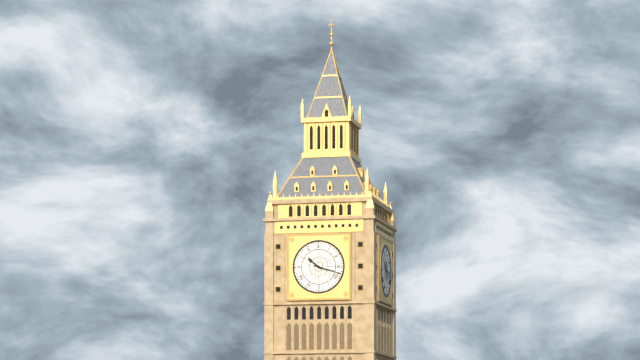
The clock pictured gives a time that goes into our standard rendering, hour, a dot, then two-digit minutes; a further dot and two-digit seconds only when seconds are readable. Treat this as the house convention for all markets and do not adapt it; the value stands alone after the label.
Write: 10.18
